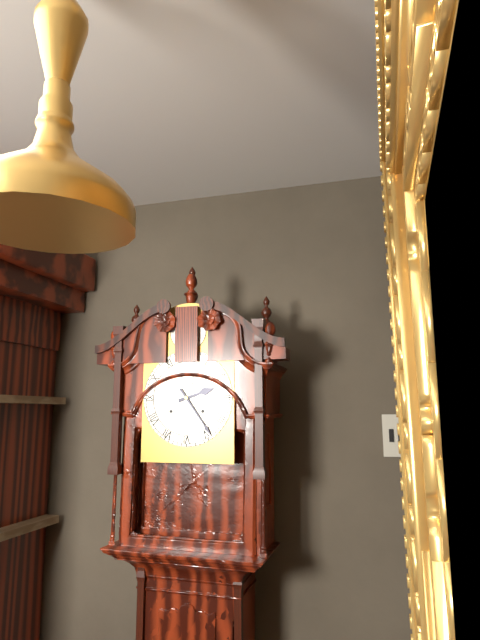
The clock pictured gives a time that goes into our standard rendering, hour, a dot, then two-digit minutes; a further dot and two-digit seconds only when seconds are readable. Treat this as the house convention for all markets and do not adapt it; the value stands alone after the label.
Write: 2.24
